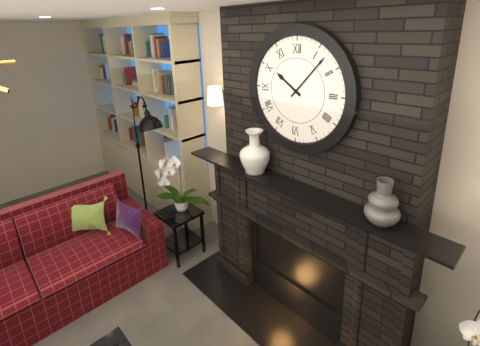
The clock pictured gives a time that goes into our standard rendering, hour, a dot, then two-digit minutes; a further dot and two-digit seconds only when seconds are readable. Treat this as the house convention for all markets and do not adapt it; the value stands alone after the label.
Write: 10.07
